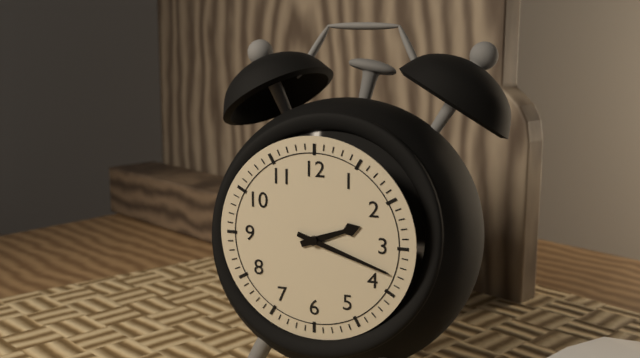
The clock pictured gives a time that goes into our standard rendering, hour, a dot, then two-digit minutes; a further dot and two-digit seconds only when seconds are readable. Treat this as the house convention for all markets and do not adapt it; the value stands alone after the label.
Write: 2.18
